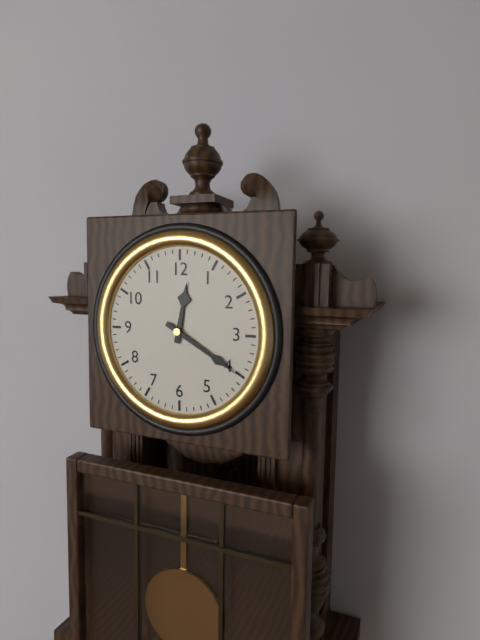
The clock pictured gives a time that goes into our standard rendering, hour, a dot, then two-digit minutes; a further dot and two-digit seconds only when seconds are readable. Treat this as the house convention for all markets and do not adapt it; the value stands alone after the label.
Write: 12.20
